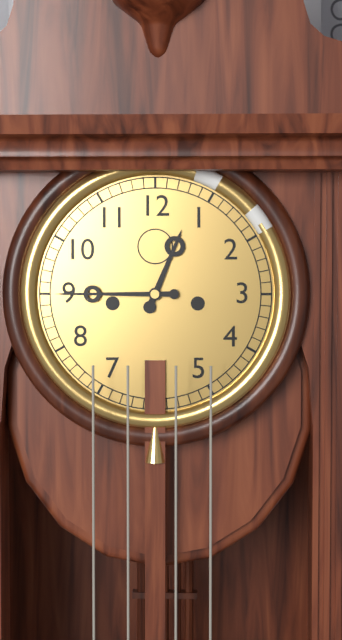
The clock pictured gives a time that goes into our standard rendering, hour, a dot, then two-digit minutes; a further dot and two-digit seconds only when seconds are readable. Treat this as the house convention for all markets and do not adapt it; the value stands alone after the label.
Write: 12.45
